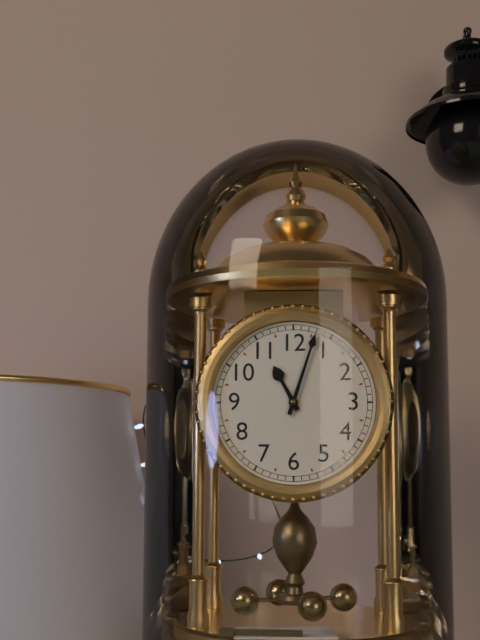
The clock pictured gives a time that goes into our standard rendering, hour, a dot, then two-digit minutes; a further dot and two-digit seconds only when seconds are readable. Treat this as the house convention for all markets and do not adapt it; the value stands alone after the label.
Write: 11.03
